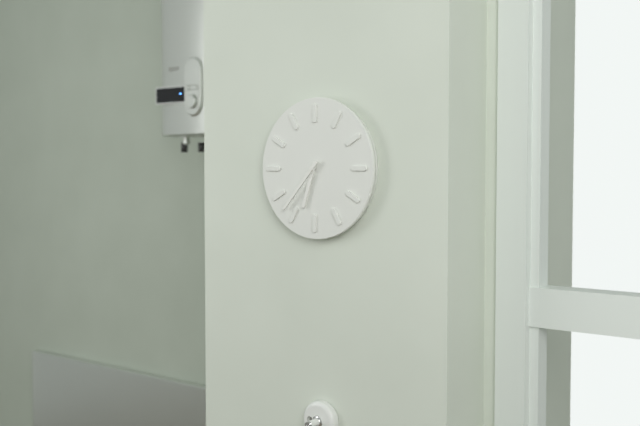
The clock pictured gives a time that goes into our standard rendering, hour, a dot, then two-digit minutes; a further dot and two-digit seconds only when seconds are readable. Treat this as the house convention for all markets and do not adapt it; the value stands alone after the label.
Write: 6.37
